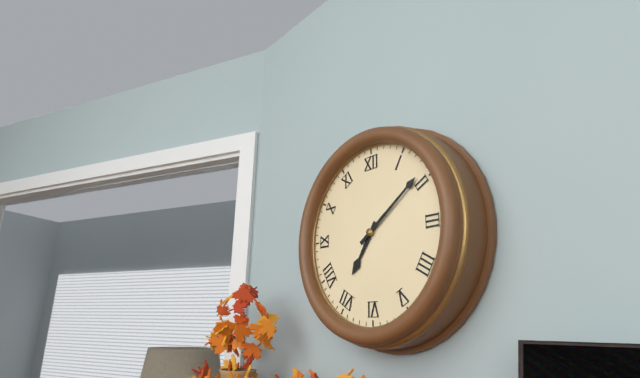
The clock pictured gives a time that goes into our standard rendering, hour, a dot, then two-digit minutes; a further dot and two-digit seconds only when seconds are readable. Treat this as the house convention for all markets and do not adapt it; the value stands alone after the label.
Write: 7.09
